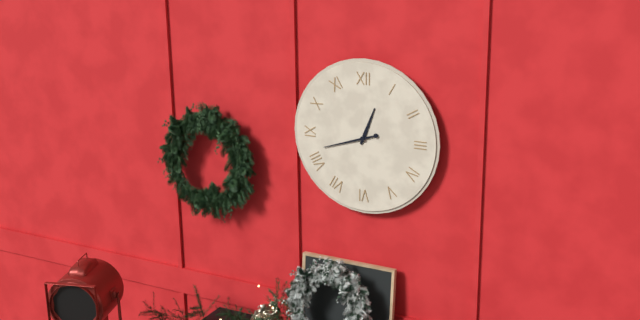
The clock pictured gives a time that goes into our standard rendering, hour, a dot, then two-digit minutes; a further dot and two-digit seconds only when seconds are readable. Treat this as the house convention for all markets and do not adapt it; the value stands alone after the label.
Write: 12.42
